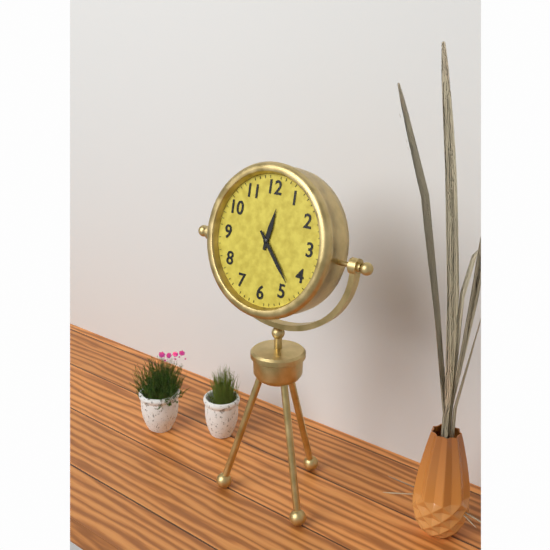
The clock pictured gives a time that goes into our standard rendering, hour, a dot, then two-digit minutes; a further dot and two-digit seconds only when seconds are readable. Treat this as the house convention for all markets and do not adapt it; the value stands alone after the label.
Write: 12.23
